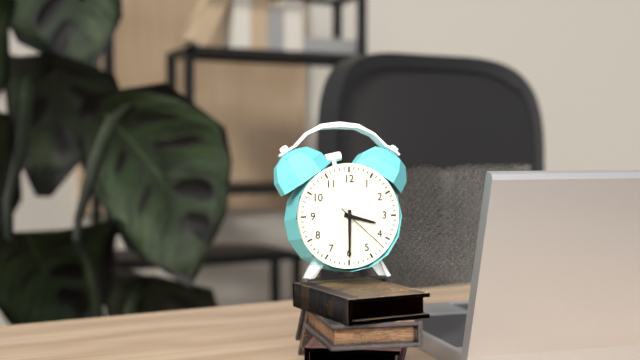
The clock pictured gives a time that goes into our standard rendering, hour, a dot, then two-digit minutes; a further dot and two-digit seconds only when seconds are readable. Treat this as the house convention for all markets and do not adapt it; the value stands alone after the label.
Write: 3.30.22
